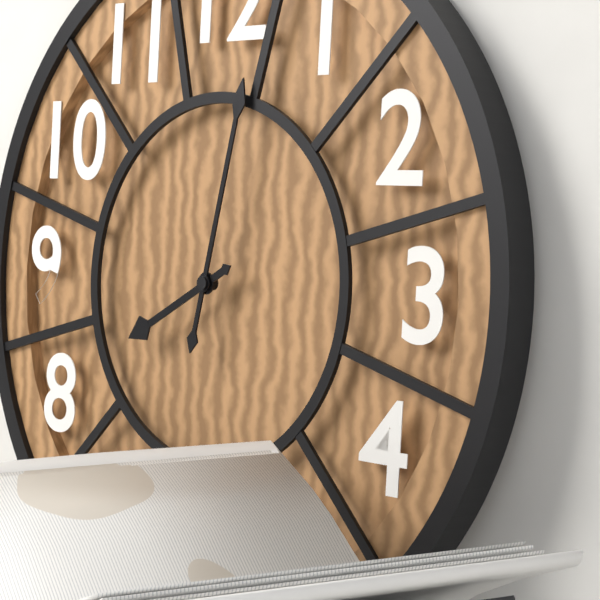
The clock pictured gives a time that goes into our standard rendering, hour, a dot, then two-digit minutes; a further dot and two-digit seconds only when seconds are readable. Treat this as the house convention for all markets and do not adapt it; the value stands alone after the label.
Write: 8.02
